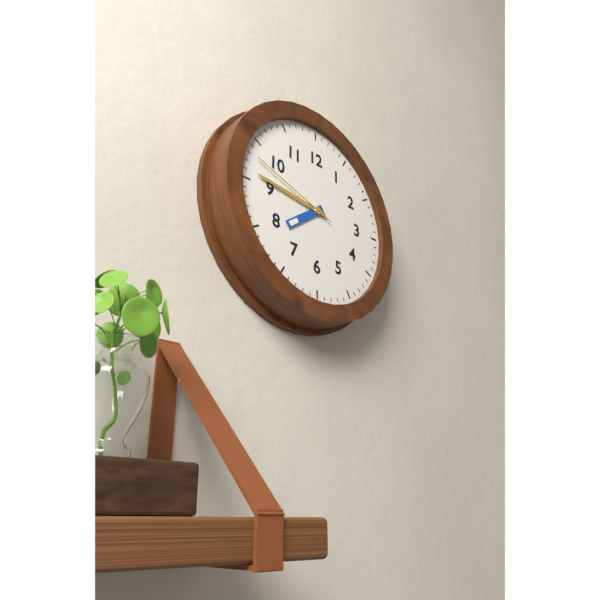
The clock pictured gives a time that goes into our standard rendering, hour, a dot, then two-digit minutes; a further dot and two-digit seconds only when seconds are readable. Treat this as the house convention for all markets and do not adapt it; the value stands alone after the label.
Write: 7.46.48
